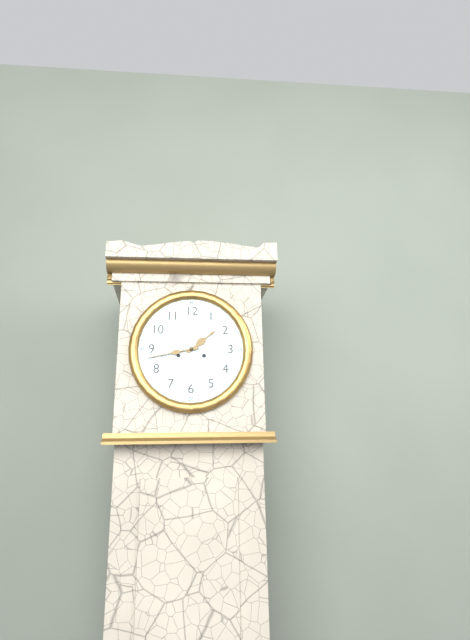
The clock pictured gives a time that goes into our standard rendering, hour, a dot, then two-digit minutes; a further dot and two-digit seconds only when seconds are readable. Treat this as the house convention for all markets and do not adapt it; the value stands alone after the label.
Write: 1.43
